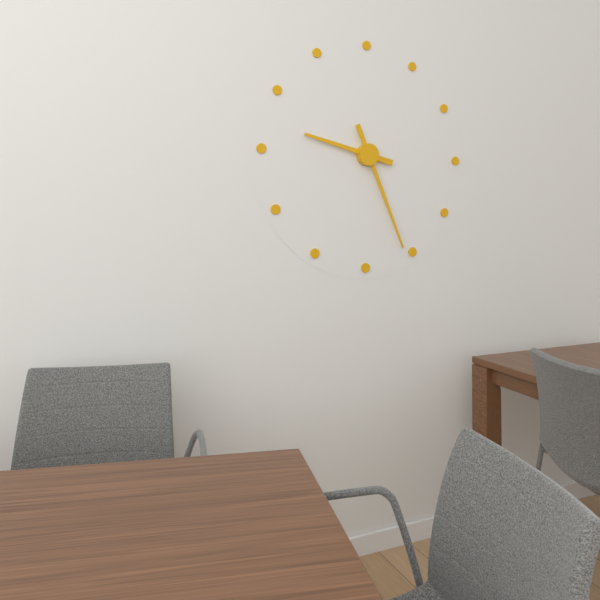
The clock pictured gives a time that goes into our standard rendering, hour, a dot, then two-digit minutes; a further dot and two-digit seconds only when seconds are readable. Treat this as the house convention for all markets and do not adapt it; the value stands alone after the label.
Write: 9.26
